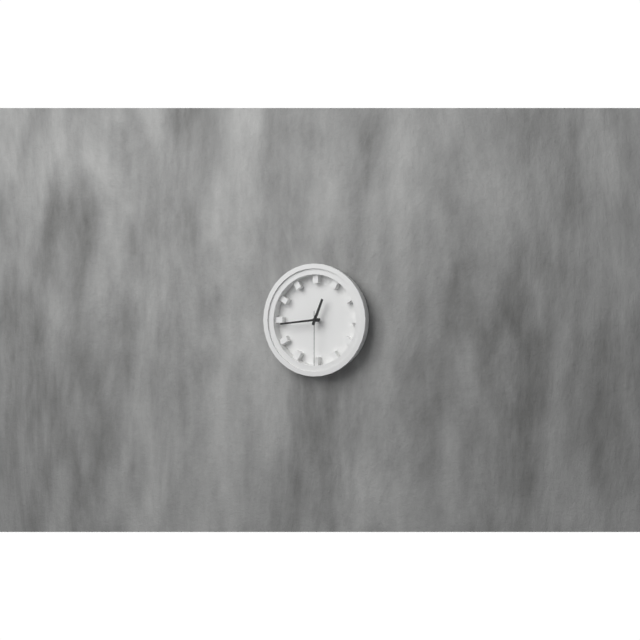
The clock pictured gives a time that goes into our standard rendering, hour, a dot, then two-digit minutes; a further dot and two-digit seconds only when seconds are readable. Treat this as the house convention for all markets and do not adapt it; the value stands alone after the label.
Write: 12.44.30
